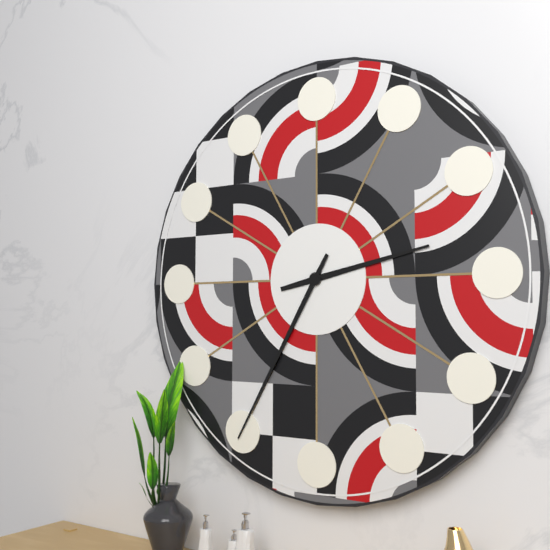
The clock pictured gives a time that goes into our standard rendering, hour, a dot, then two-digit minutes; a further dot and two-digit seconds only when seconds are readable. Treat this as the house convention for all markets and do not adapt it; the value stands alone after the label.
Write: 2.35
